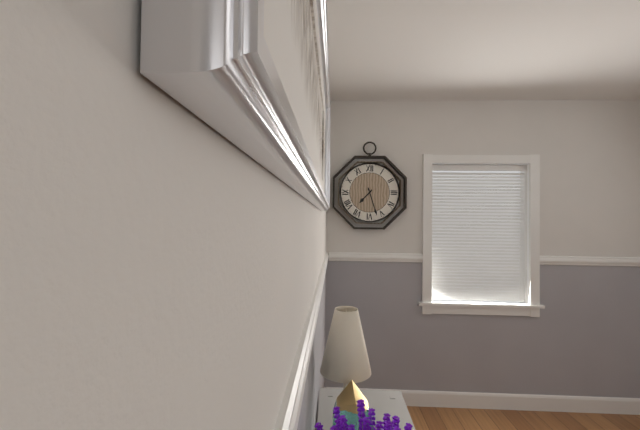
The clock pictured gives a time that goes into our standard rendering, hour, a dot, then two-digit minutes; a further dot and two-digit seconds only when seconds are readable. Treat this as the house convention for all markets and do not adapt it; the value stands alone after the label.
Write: 7.27
